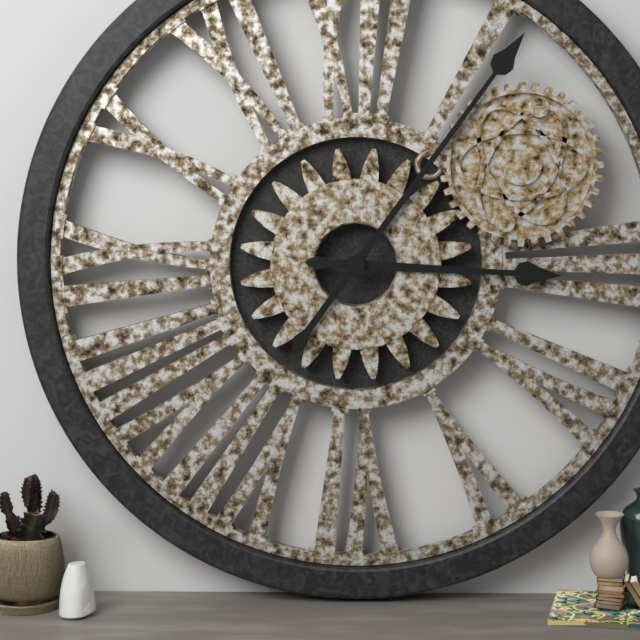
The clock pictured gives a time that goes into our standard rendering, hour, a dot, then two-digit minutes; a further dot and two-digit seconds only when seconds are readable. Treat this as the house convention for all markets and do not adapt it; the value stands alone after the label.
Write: 3.06
